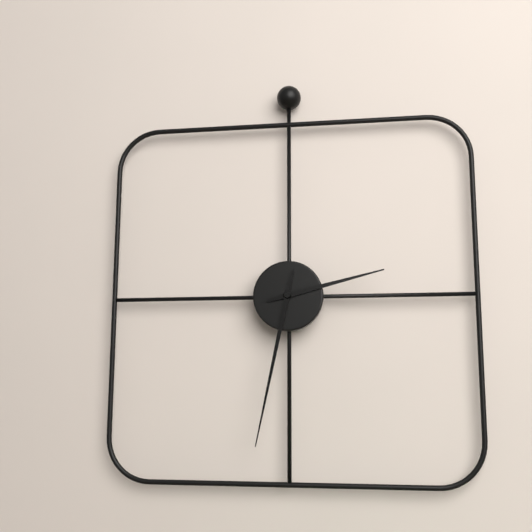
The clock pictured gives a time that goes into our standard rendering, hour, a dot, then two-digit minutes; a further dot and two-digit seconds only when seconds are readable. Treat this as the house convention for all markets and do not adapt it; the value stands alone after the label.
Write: 2.32
